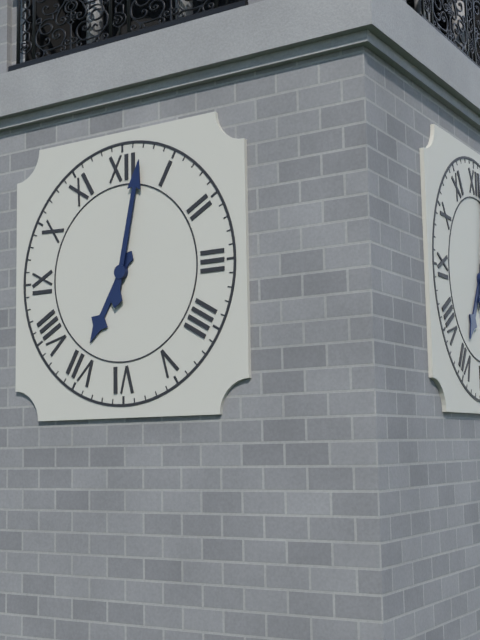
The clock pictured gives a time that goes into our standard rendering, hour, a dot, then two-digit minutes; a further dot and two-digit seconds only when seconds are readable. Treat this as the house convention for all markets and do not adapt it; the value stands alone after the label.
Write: 7.02
